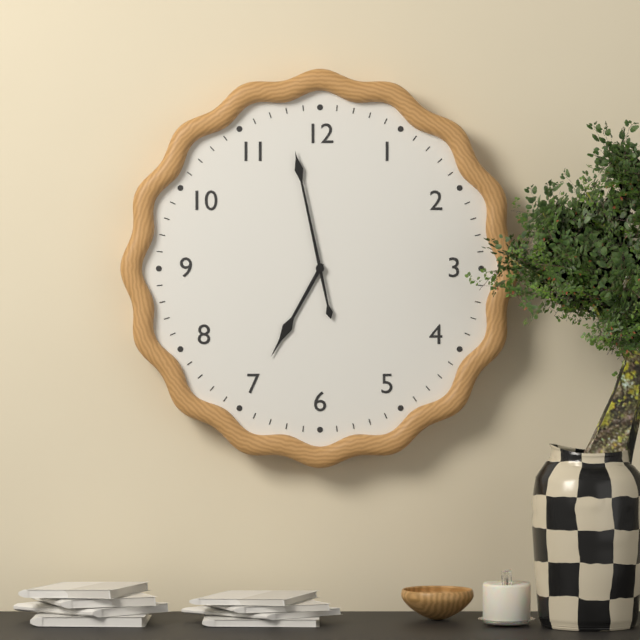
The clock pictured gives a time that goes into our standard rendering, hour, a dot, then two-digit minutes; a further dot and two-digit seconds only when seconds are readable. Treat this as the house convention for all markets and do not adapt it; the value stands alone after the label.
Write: 6.58
